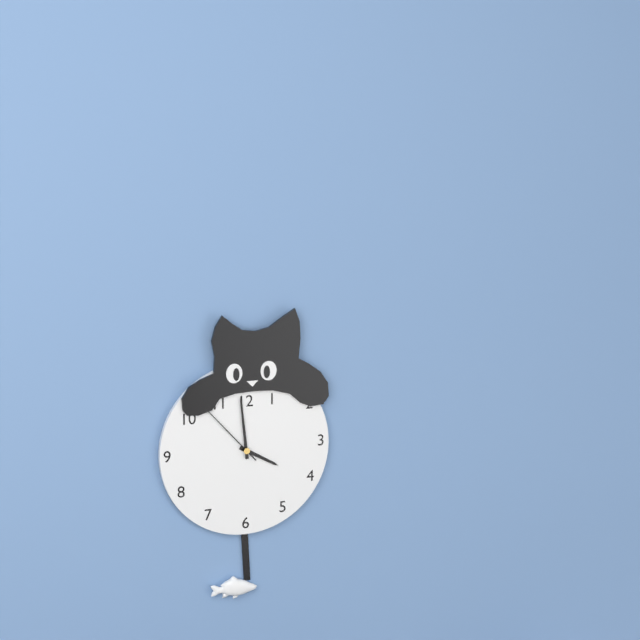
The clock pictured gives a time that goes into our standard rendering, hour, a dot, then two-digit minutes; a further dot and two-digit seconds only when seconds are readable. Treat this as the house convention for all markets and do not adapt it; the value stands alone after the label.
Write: 3.59.53
